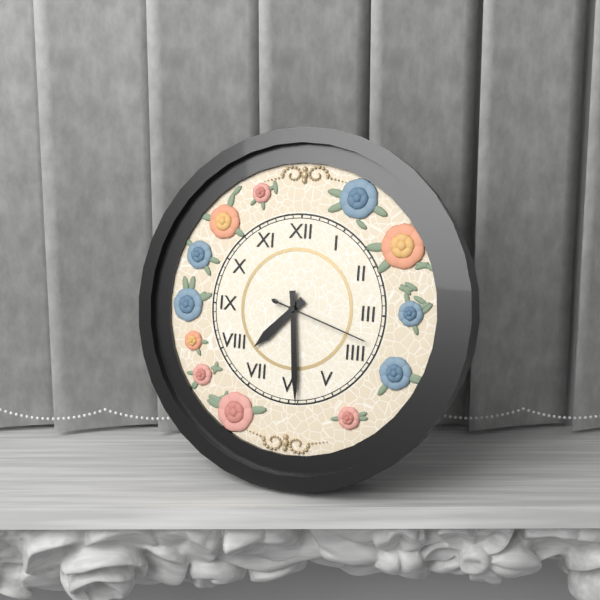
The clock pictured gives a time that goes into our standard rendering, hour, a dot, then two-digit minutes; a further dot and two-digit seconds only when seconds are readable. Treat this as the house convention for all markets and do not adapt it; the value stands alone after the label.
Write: 7.29.18
